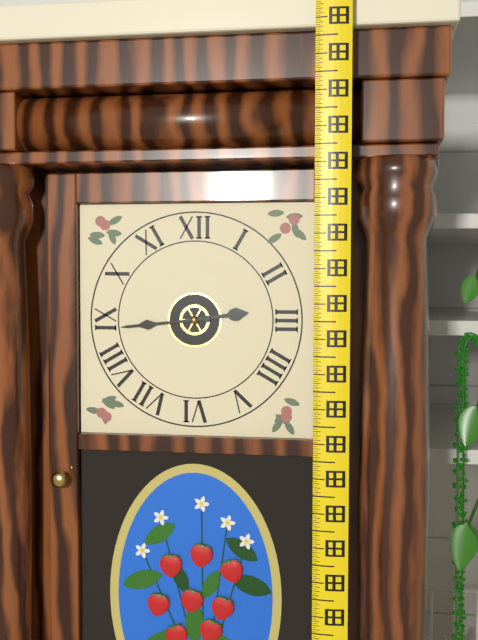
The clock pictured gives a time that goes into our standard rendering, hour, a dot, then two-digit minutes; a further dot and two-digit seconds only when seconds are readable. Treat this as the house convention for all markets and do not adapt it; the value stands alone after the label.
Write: 2.44
